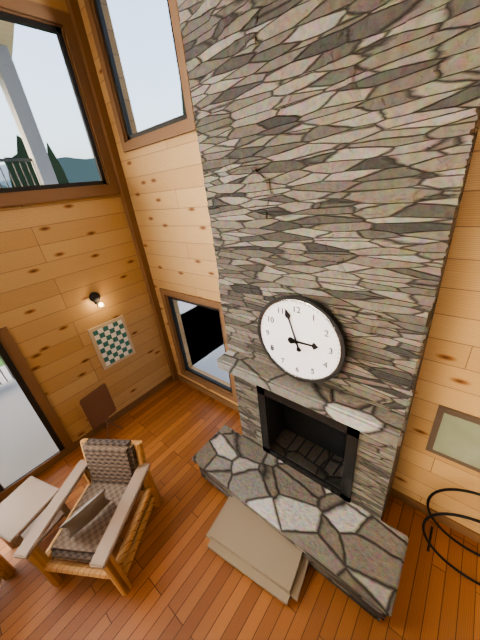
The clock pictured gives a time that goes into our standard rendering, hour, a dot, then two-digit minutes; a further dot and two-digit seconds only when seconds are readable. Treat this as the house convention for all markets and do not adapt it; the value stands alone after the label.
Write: 2.57
